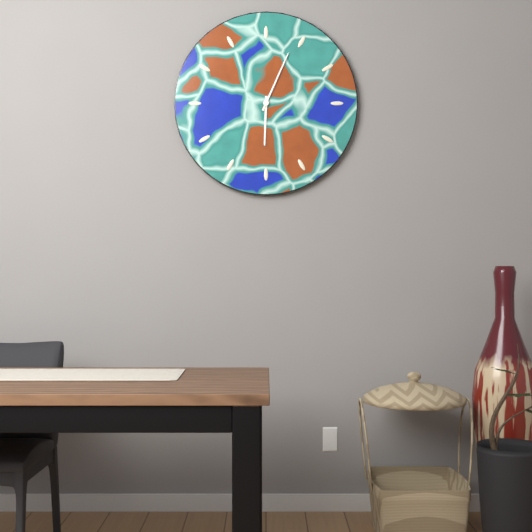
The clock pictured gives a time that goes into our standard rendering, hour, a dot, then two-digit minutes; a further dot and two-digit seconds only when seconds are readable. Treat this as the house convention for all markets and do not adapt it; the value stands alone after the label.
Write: 6.04
